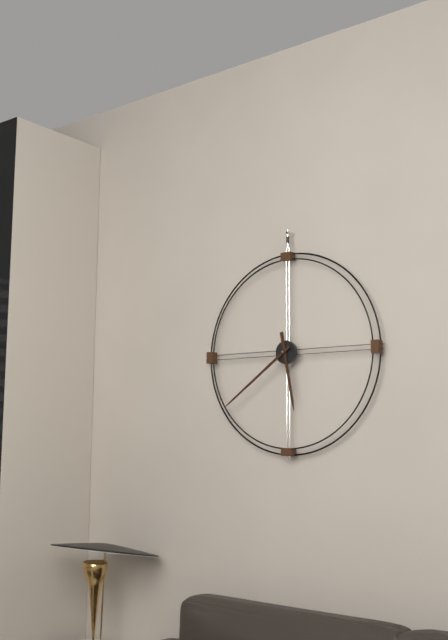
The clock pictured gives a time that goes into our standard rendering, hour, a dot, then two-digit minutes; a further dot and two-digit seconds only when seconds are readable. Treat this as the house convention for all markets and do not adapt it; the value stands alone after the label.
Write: 5.39
